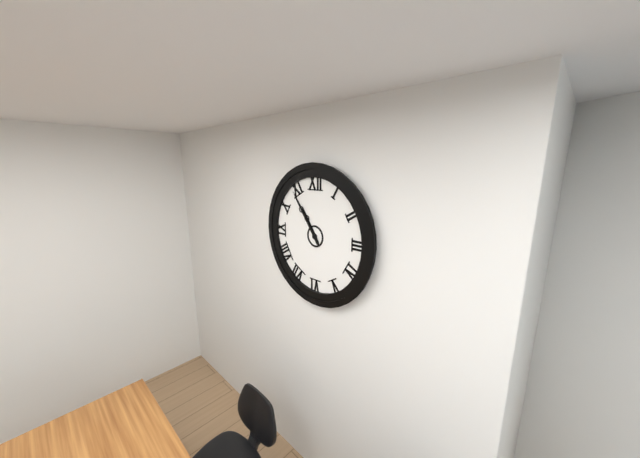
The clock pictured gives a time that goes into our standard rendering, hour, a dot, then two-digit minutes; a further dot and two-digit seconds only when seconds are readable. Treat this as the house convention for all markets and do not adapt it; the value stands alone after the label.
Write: 10.54
